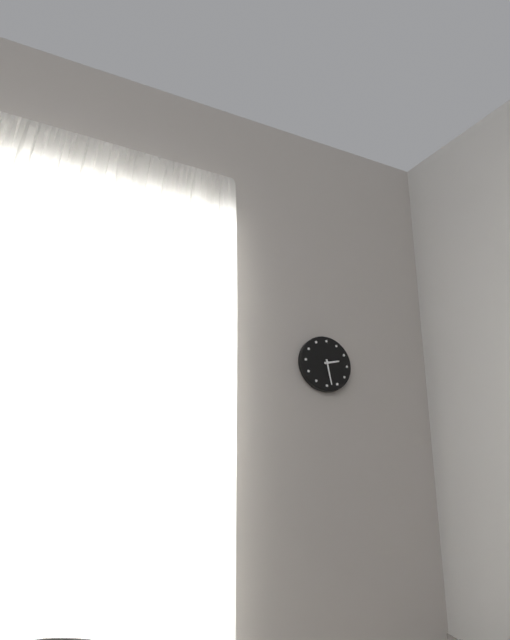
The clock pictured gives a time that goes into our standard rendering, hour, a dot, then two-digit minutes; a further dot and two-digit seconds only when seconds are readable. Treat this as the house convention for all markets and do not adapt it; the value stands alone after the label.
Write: 2.28
